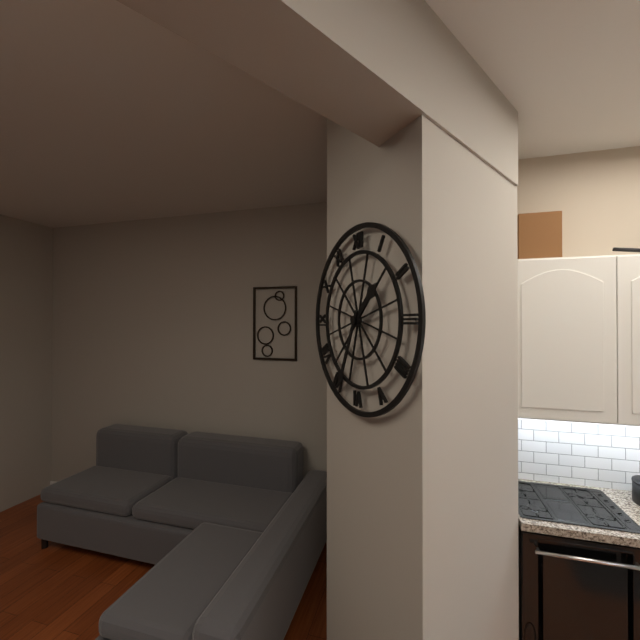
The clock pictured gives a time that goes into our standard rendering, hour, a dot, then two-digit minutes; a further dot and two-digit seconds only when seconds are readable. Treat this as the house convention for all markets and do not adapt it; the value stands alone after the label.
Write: 1.34
